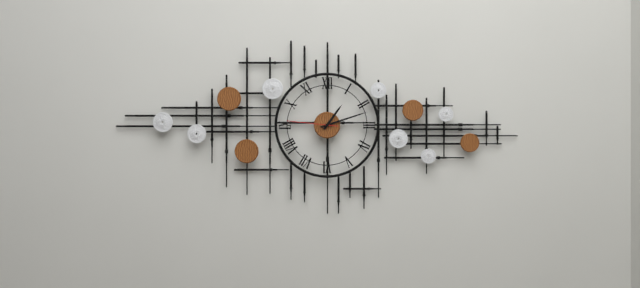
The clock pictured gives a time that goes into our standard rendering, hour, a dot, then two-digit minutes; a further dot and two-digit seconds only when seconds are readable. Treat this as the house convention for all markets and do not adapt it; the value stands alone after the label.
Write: 1.12.46
